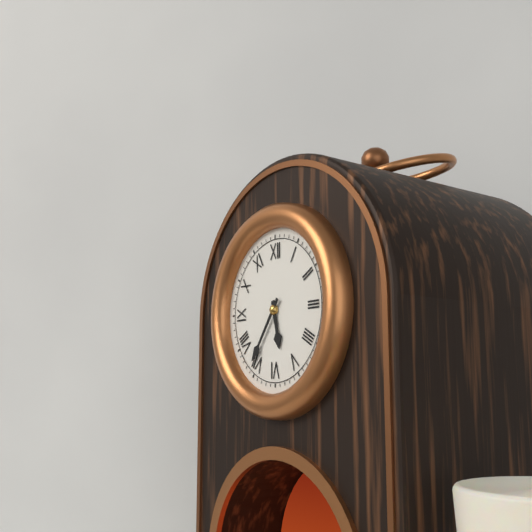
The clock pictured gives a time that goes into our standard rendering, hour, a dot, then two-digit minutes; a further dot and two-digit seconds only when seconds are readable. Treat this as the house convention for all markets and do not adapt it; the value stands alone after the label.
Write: 5.36
